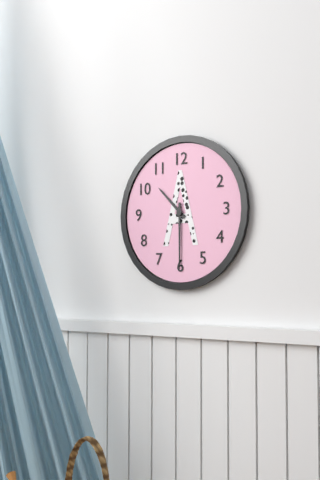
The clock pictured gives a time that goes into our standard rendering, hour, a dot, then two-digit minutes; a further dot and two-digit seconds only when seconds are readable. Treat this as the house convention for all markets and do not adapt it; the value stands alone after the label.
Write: 10.30
